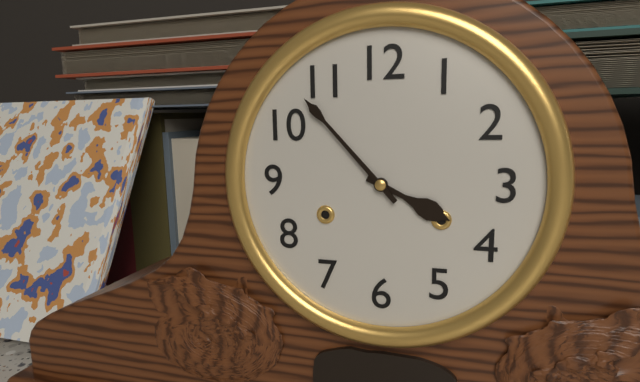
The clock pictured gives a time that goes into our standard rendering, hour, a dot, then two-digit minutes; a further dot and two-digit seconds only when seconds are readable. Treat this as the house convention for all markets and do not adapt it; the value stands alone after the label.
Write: 3.53
